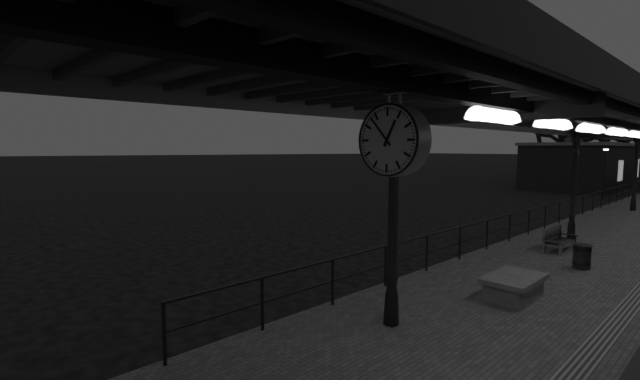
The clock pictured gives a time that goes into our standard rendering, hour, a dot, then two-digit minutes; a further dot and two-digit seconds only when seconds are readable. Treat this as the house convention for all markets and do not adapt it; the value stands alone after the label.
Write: 12.53
